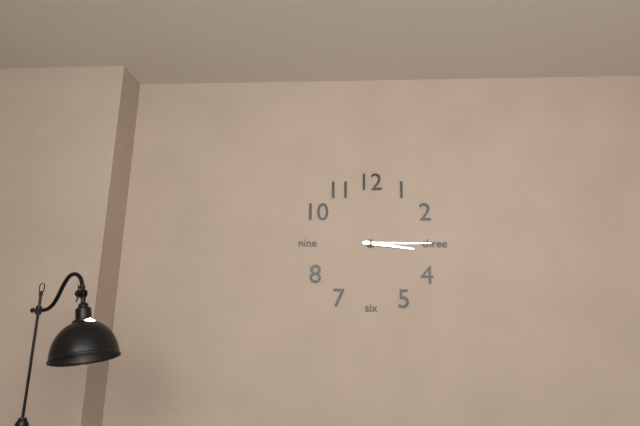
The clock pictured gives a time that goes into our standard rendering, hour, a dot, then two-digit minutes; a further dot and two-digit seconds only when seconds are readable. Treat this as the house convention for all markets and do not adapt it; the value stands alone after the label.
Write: 3.15
